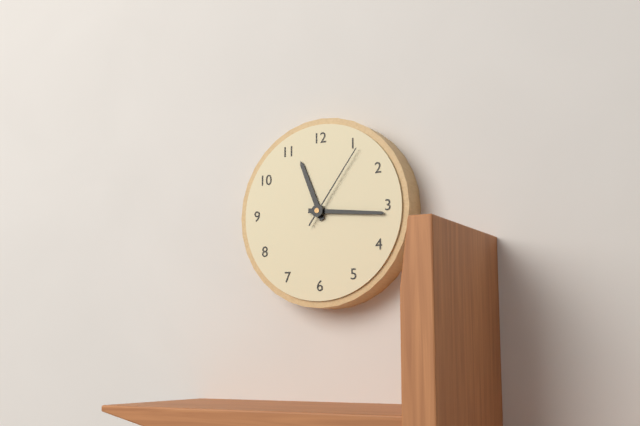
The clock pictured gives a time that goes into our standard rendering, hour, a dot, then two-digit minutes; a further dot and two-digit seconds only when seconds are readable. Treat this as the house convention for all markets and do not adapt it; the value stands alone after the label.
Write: 11.16.06
